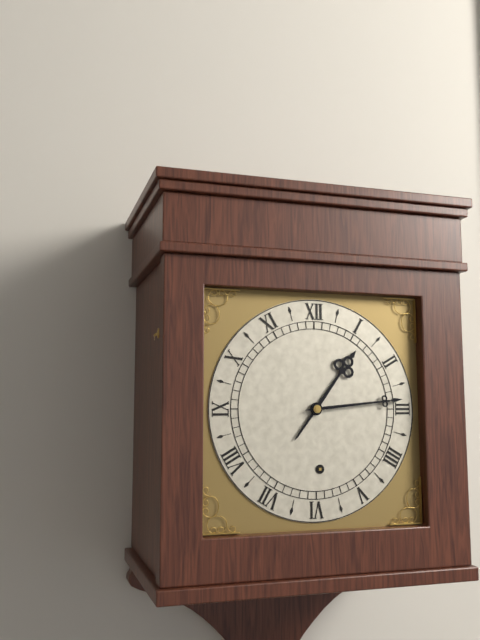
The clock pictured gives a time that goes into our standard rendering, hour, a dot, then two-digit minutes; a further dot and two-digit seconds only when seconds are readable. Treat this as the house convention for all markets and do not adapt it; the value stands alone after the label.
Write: 1.14
